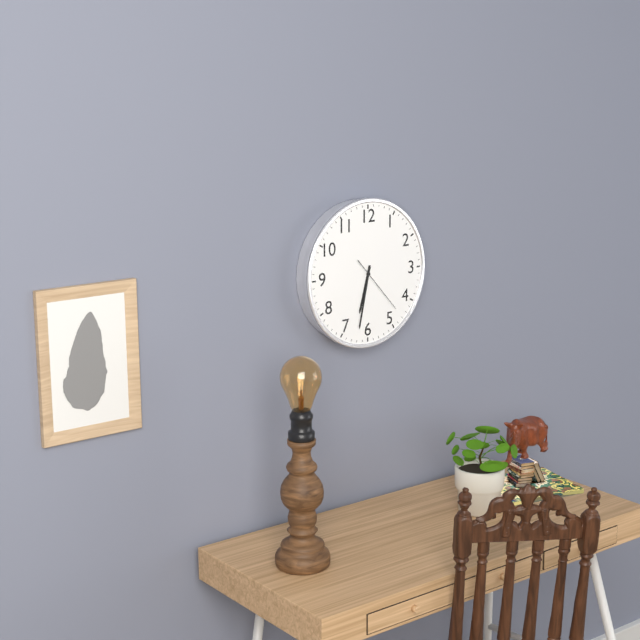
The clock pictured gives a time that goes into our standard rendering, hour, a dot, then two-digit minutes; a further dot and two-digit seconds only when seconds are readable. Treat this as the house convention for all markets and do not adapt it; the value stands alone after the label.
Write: 6.32.23
